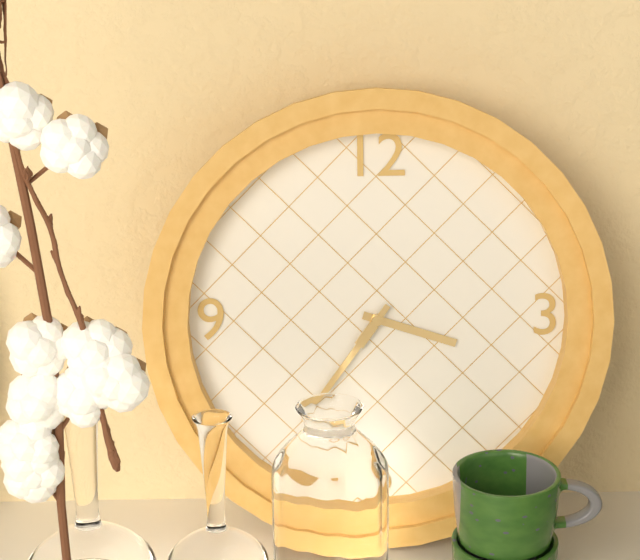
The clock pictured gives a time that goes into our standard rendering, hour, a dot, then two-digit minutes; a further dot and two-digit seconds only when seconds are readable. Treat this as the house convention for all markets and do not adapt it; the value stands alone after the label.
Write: 3.36
